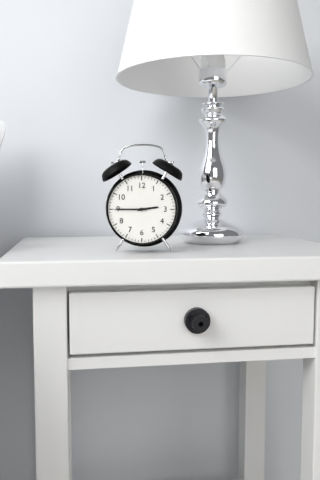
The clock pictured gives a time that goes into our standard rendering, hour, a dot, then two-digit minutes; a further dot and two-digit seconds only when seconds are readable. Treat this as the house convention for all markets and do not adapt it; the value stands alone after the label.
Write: 2.45
